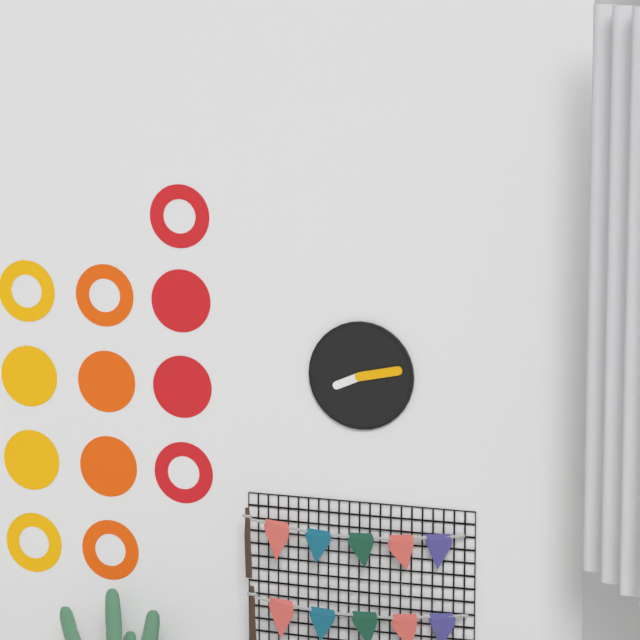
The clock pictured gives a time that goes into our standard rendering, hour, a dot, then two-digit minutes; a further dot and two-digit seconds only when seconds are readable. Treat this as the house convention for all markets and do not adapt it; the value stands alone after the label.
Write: 8.13
